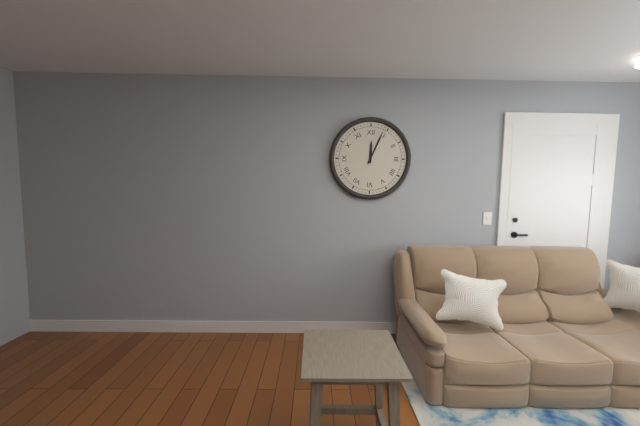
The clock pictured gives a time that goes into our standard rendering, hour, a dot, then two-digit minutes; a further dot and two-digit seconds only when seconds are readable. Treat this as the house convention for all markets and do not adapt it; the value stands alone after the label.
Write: 12.04
